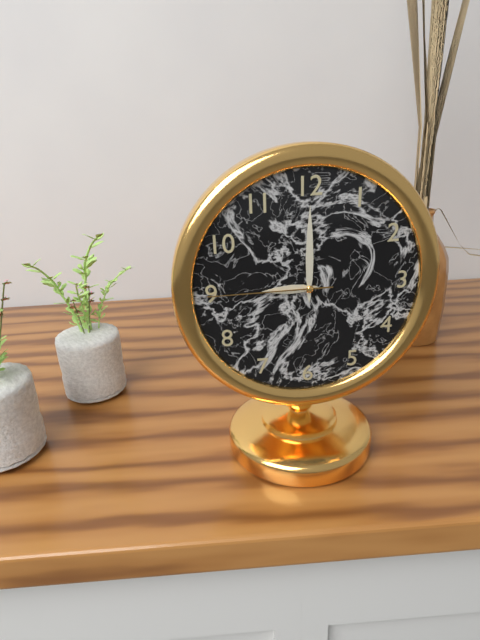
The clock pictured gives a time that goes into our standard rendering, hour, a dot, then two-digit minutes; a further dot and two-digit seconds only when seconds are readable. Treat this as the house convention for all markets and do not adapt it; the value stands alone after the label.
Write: 9.00.45
